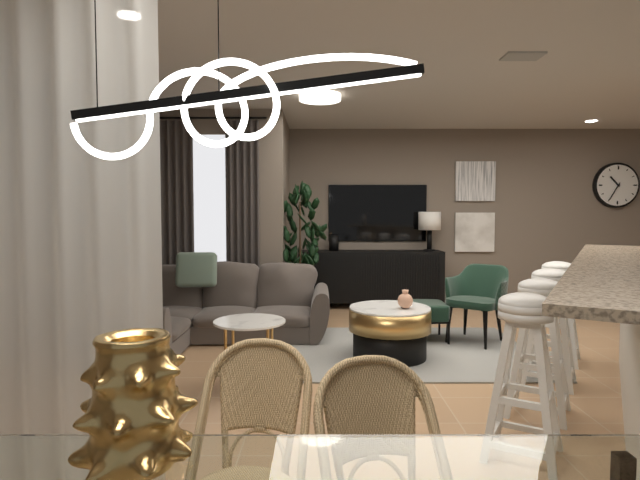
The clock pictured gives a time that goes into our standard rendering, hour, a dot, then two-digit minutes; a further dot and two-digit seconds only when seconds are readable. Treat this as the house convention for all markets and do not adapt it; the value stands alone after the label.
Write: 10.35
